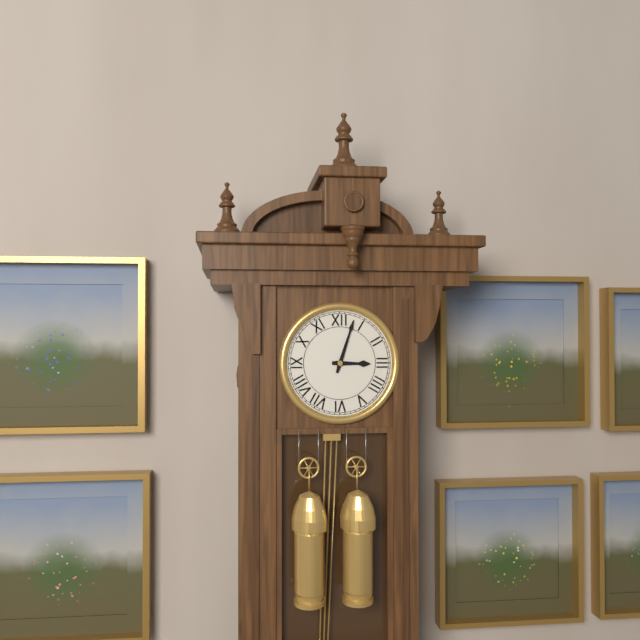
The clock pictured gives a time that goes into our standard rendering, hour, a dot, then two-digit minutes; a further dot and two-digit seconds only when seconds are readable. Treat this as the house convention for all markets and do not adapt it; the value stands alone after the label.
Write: 3.03
